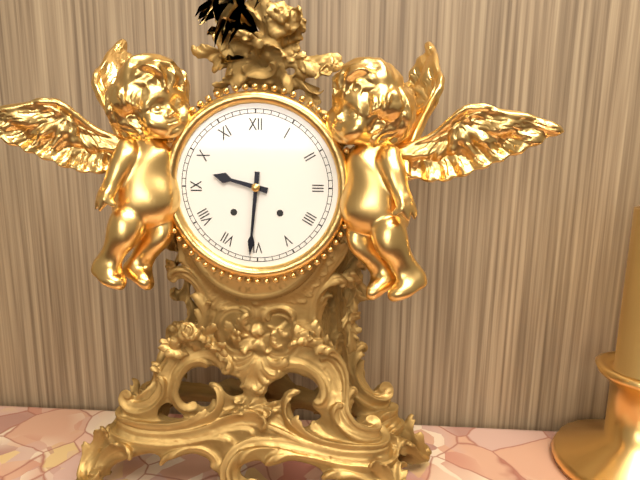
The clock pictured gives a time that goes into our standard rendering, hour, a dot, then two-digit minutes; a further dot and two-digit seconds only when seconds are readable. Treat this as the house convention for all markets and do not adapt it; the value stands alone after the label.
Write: 9.31
